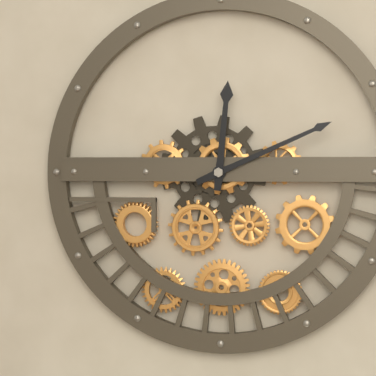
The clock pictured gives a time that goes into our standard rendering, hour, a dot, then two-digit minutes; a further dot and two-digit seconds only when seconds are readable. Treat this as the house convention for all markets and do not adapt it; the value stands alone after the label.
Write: 12.11
